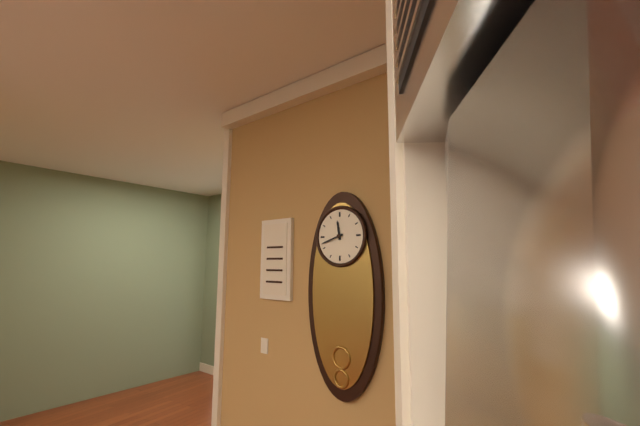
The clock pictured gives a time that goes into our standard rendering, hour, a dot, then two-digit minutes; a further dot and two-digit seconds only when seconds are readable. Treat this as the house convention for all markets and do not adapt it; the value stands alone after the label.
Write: 11.42
